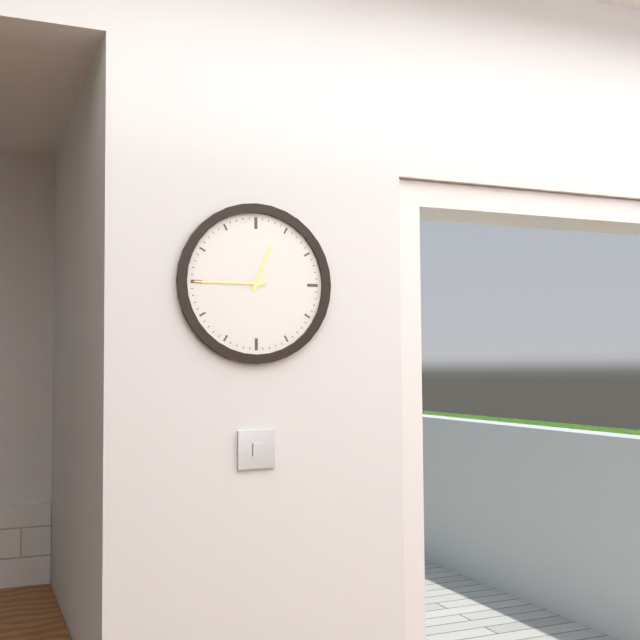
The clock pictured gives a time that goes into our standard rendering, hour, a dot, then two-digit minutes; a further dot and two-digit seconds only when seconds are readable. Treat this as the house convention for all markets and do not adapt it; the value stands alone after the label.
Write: 12.45
